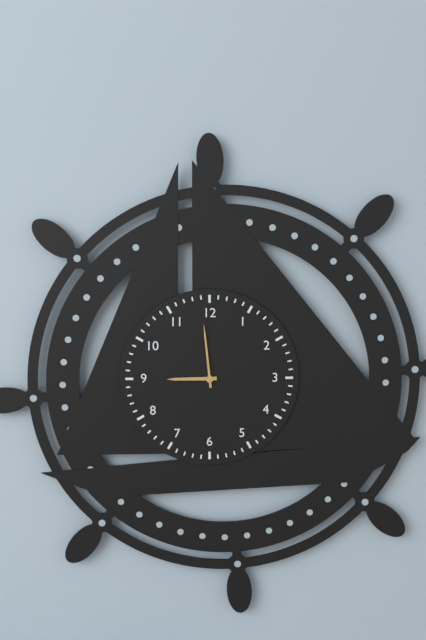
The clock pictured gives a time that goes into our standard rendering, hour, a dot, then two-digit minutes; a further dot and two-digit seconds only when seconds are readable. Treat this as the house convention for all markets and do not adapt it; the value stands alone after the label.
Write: 8.59
